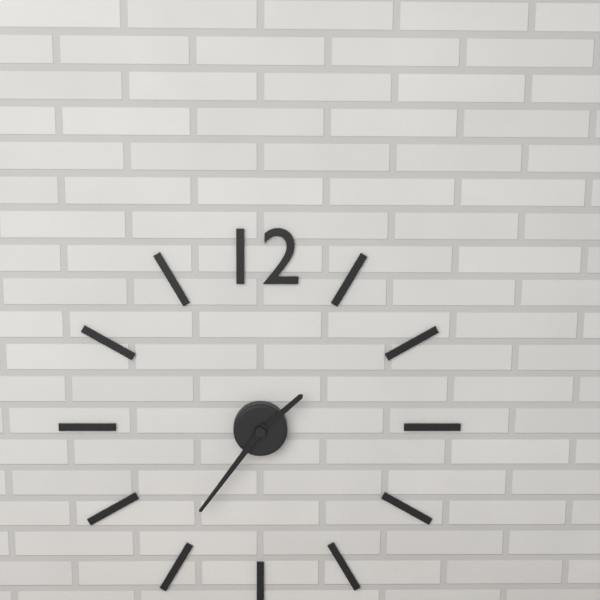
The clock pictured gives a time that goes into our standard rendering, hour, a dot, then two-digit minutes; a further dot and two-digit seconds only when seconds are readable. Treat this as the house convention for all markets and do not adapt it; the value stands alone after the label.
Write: 1.36
